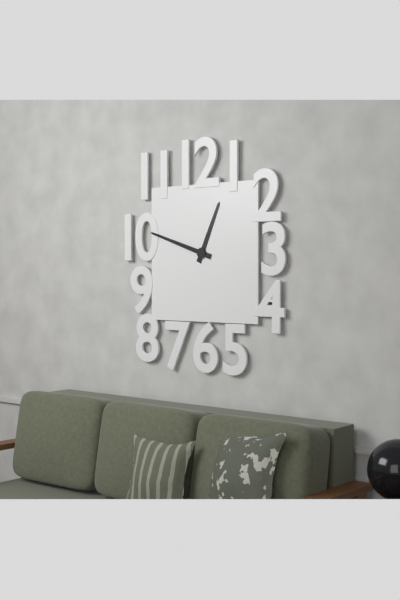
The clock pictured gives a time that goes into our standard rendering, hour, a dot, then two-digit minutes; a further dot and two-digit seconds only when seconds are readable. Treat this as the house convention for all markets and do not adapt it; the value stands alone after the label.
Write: 12.48
